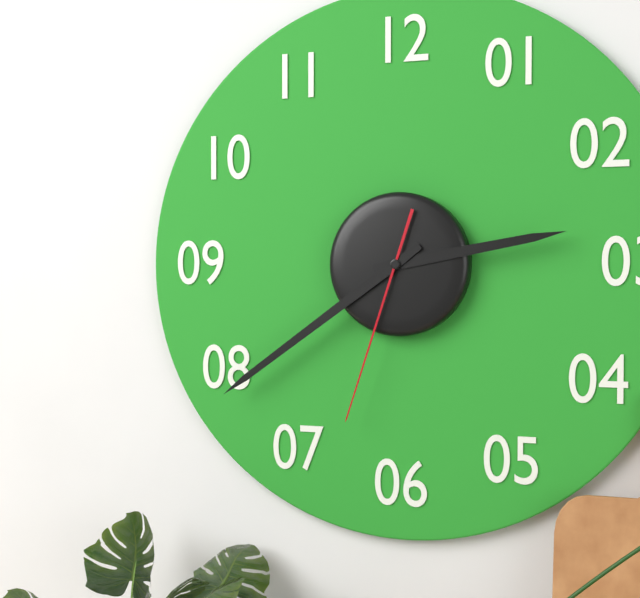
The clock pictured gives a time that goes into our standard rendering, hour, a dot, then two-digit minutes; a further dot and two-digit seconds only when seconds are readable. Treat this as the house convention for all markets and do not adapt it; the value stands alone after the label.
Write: 2.39.33
